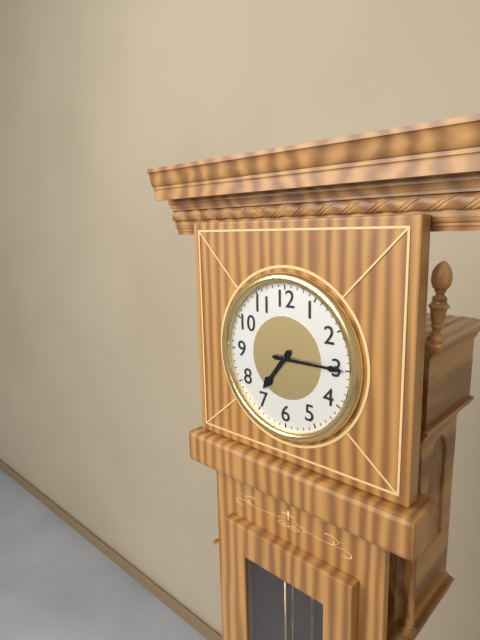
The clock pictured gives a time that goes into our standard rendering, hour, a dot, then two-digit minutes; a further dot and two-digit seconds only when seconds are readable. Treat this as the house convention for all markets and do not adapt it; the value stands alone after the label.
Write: 7.15
